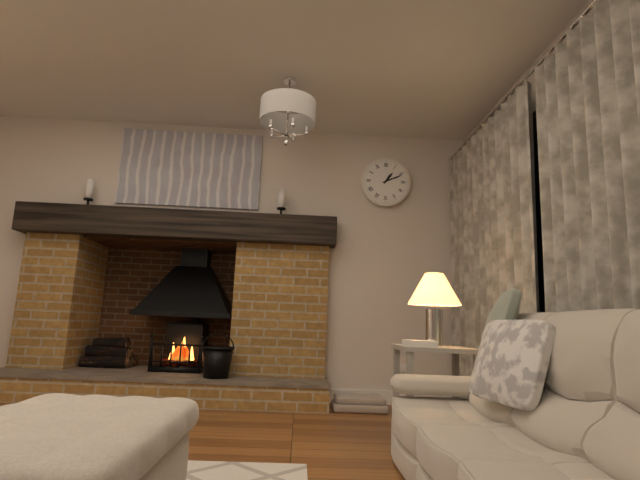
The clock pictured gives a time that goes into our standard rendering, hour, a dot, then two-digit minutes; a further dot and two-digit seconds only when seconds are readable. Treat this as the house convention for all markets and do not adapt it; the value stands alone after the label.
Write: 1.11
